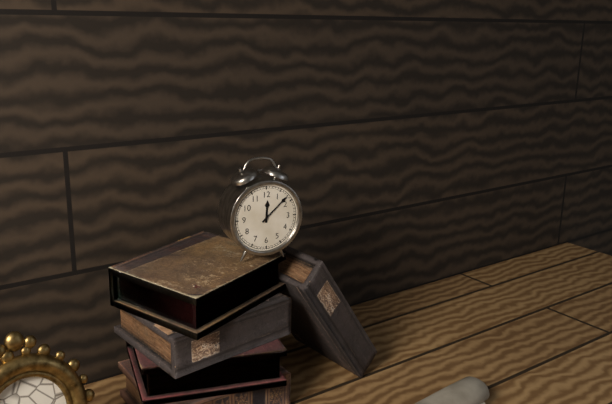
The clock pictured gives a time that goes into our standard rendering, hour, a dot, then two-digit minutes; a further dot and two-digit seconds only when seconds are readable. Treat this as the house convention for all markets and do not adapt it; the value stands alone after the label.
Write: 12.08
